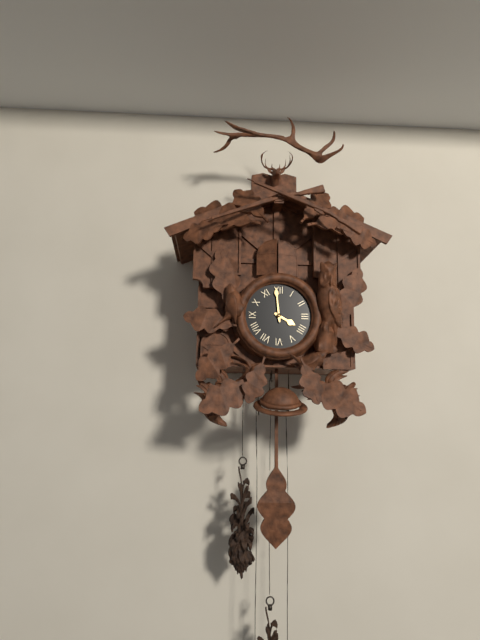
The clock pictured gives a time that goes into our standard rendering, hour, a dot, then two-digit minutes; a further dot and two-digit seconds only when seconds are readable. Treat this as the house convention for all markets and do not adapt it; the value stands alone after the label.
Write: 3.59
